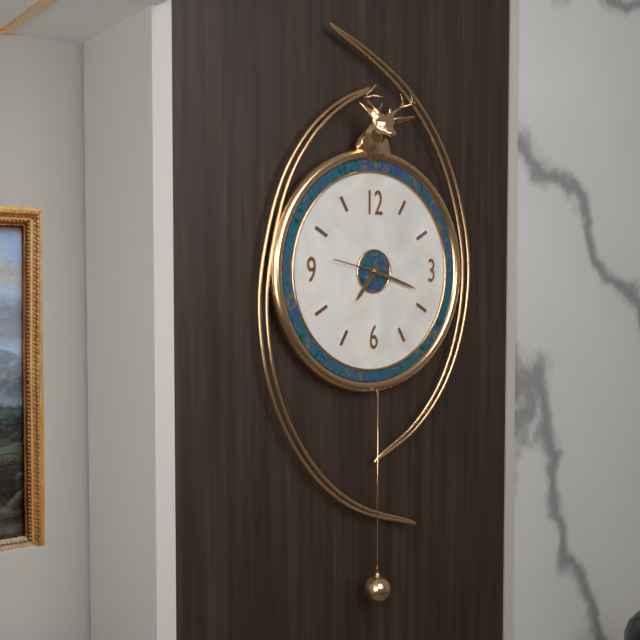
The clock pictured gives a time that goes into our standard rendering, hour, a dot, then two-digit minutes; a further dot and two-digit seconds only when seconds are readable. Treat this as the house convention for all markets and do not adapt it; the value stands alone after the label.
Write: 7.18
